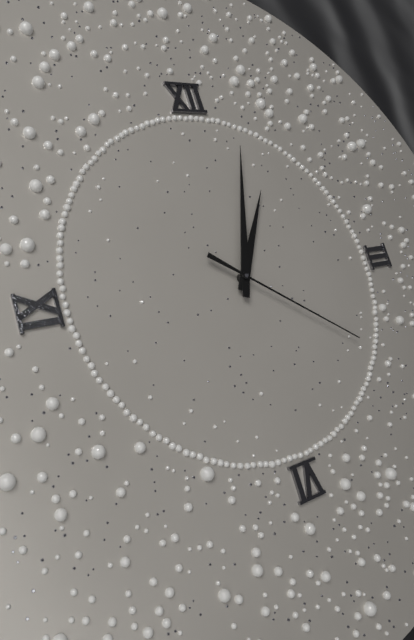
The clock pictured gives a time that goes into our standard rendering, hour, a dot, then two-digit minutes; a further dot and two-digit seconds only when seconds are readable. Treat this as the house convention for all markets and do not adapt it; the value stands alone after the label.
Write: 1.03.21
